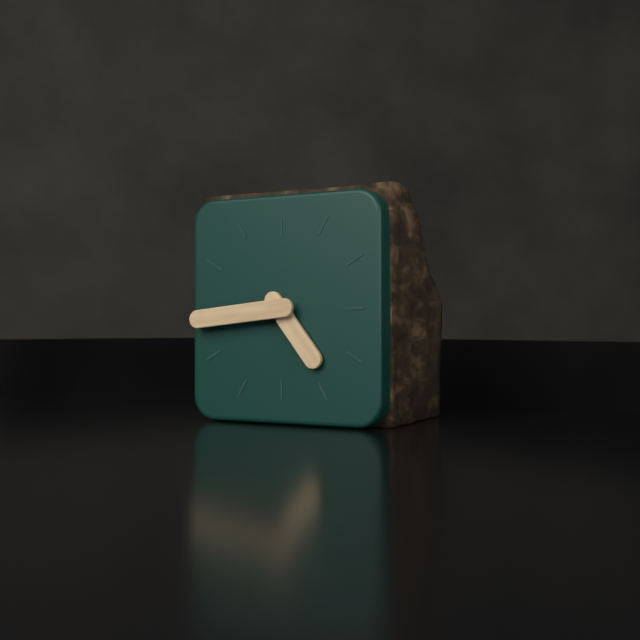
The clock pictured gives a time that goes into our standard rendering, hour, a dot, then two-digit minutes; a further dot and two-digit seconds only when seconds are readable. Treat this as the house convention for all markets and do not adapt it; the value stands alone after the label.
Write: 4.44
